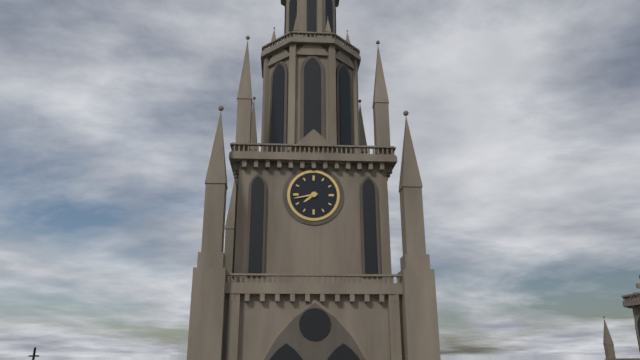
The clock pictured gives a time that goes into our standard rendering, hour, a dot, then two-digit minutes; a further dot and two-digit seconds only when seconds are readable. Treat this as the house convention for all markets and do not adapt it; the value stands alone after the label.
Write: 7.43
